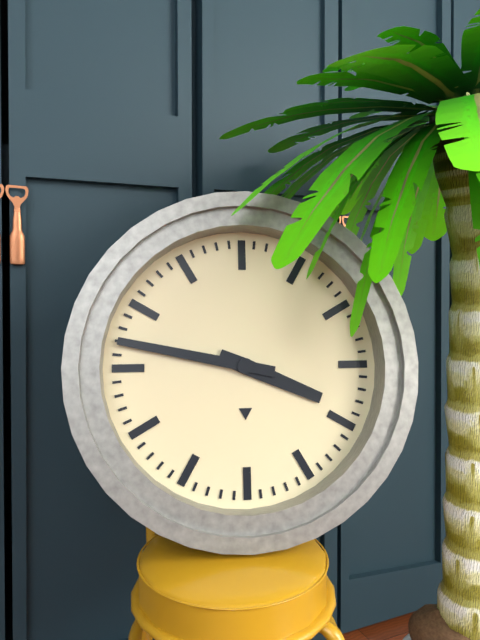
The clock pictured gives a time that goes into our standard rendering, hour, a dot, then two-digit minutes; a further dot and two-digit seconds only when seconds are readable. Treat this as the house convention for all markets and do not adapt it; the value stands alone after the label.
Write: 3.47
